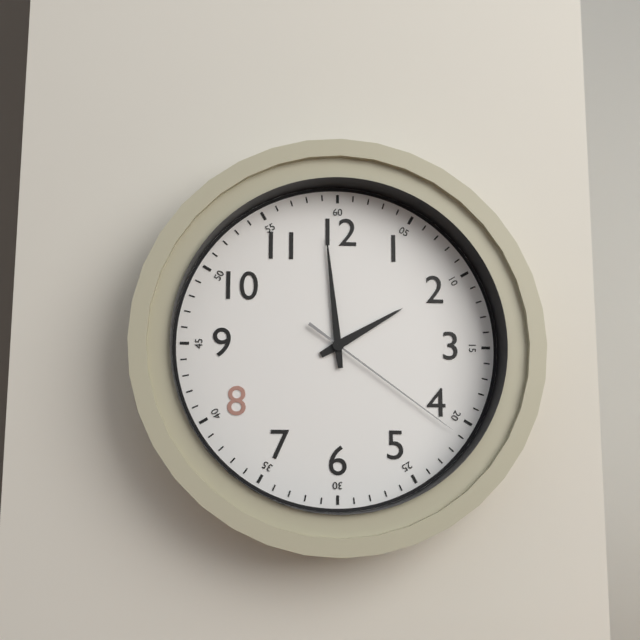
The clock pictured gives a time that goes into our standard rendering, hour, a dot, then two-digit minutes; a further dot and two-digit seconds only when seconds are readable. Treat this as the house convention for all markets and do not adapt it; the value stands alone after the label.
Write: 1.59.21
